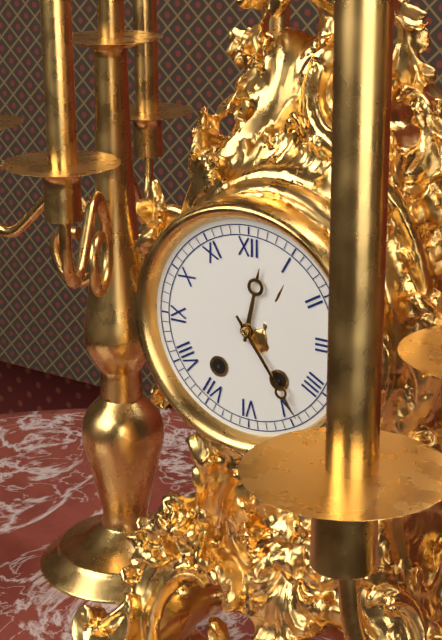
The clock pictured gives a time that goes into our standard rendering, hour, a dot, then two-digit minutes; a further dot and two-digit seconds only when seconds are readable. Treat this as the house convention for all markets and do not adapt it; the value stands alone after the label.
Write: 12.24
